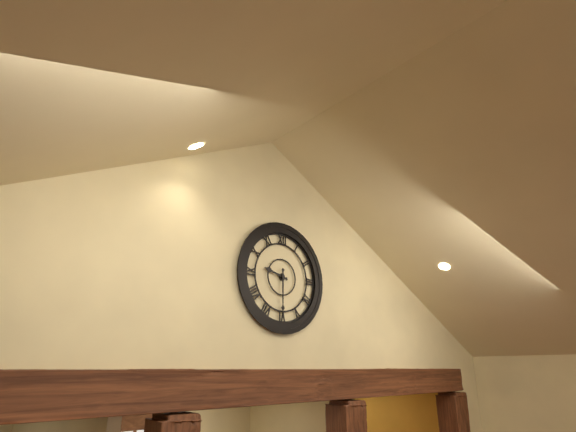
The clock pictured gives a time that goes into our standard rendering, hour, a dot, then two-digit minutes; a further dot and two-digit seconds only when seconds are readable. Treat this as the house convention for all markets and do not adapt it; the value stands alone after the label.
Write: 9.30
